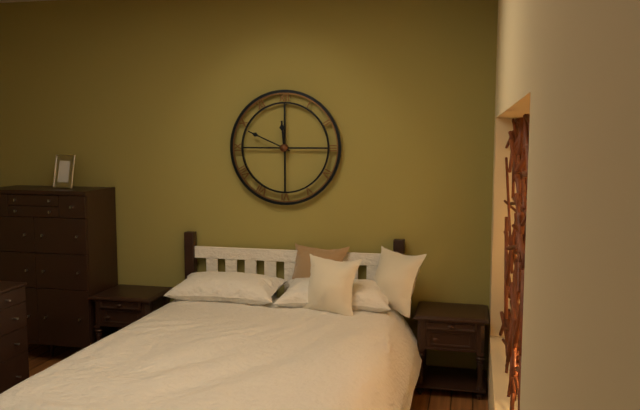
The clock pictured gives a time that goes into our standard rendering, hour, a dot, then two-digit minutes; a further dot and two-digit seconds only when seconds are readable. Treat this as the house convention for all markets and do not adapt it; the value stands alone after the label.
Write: 11.49
